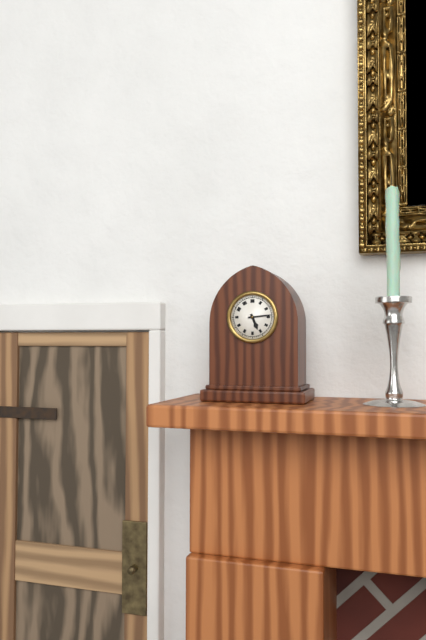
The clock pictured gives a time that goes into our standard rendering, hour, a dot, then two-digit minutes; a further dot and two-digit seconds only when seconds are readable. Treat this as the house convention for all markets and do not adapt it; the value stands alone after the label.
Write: 5.14
